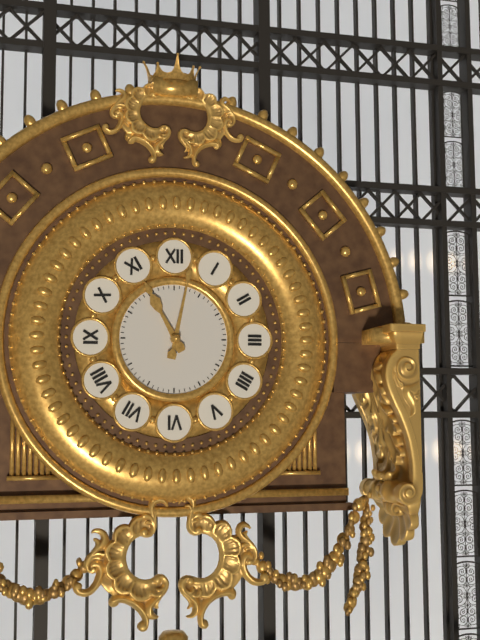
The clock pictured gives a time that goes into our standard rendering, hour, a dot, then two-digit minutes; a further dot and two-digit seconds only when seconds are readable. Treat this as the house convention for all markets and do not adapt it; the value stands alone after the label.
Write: 11.02
